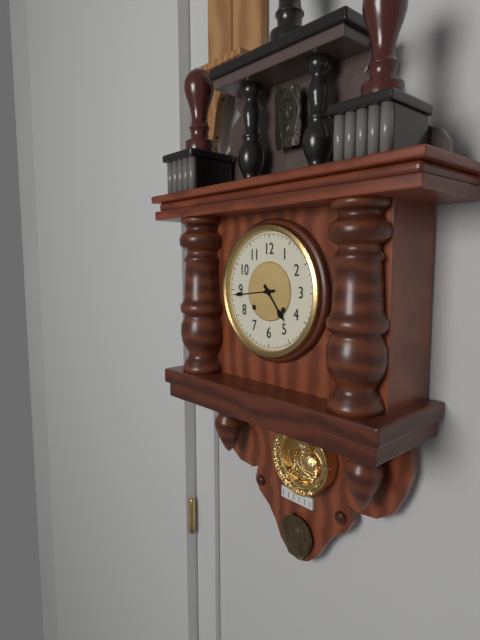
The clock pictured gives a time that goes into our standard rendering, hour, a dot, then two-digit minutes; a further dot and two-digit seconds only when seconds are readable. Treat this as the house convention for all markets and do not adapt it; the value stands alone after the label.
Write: 4.44
